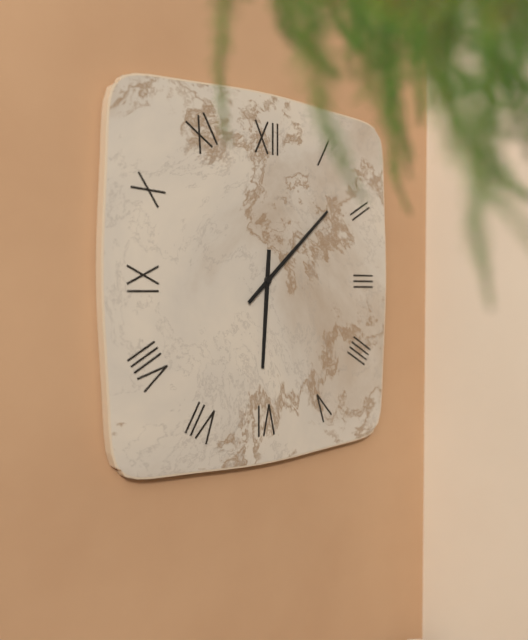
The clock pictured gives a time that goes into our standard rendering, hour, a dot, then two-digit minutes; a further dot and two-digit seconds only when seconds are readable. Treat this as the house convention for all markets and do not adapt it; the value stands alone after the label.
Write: 6.08
